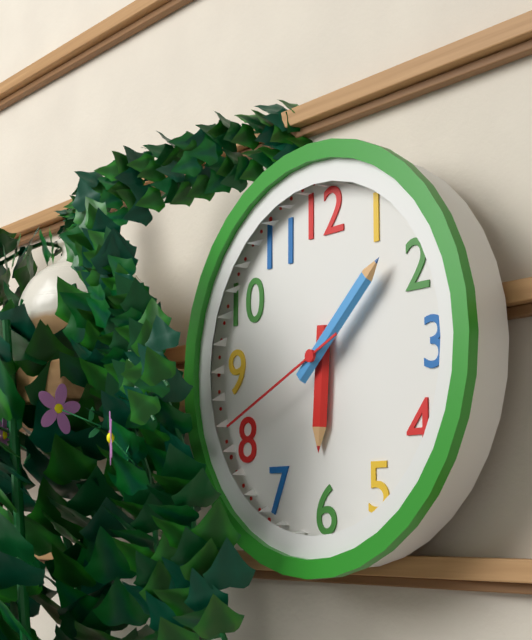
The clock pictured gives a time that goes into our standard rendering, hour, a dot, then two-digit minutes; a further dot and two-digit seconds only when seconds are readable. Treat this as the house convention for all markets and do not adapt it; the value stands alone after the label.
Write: 6.08.41
